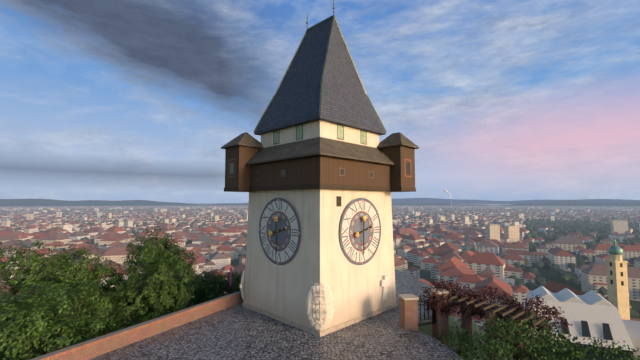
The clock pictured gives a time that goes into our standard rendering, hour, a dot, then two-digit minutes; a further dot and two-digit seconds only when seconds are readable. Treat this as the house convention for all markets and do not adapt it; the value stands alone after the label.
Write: 2.30
